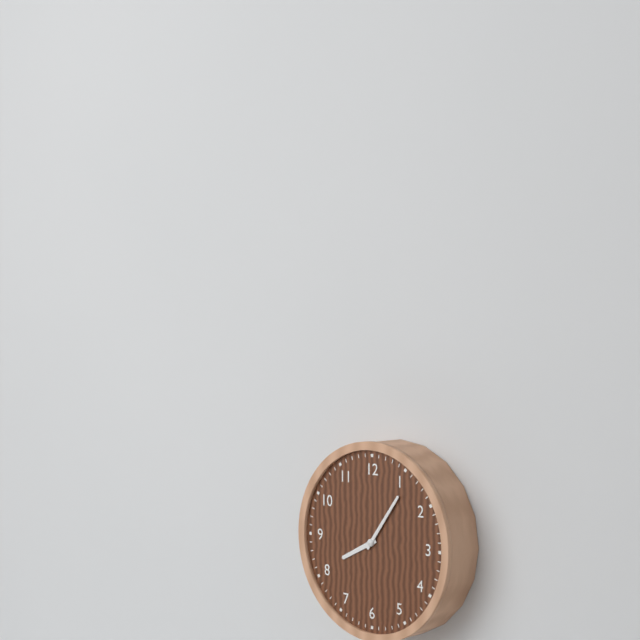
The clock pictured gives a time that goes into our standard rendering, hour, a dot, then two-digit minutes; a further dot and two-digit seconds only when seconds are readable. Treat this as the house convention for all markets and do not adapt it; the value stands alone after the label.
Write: 8.06
